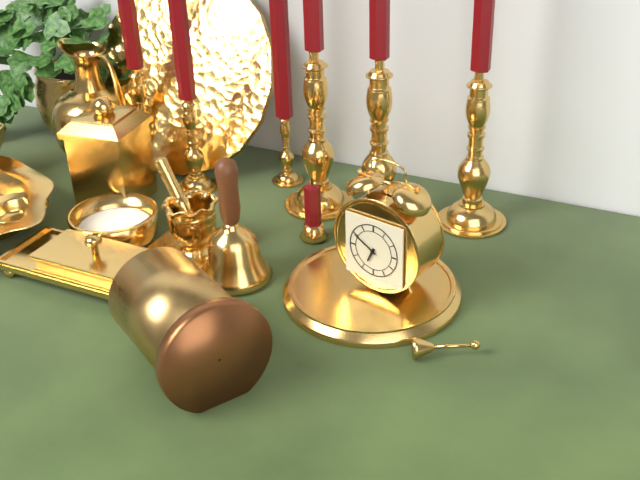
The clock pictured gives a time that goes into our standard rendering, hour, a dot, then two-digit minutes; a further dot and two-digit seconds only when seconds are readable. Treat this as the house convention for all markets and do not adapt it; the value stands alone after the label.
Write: 6.50
